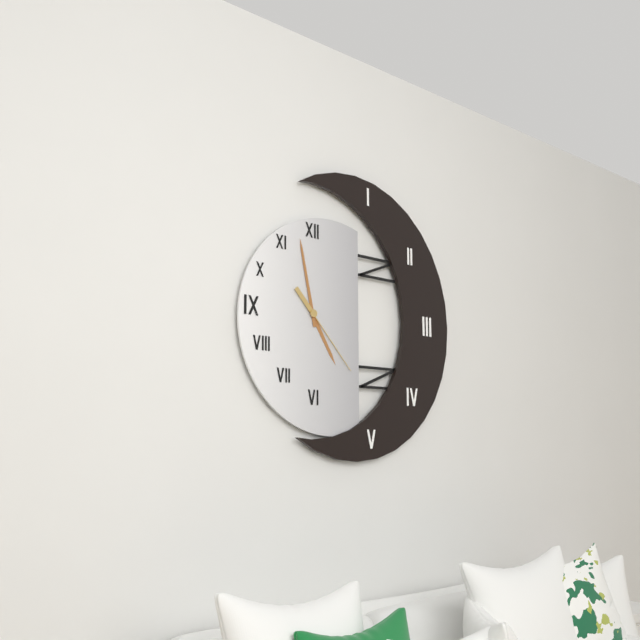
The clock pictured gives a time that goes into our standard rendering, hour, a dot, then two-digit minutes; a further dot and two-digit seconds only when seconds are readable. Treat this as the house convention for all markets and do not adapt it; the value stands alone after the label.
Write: 4.58.23
